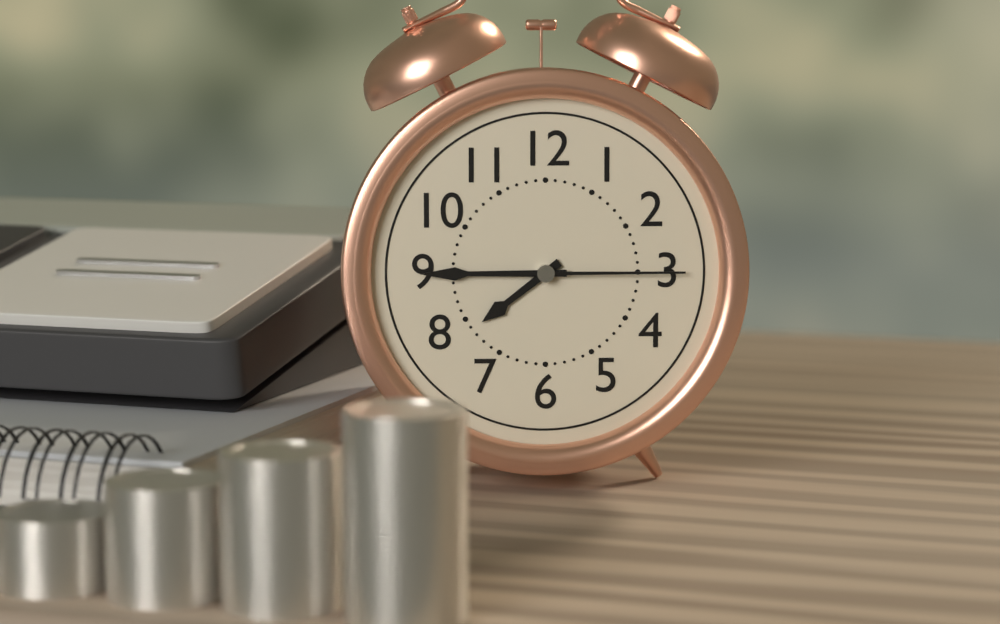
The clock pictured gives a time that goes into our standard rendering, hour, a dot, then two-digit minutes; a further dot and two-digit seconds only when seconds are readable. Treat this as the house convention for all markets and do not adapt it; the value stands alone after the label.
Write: 7.45.15
